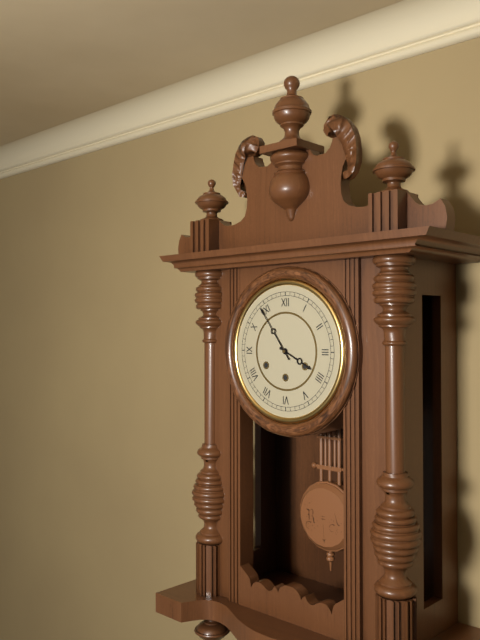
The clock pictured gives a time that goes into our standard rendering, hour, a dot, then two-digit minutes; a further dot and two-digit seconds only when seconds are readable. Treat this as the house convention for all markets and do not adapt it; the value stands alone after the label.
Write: 3.54
